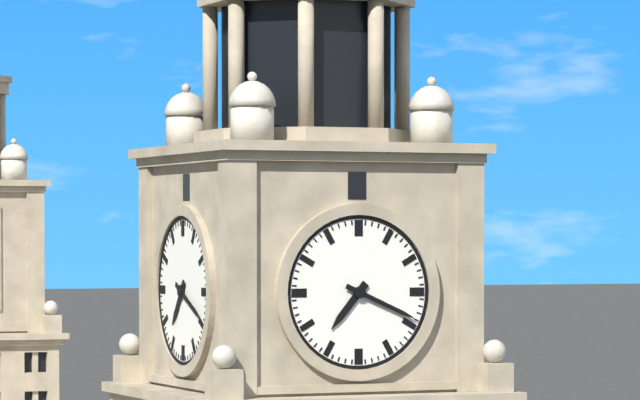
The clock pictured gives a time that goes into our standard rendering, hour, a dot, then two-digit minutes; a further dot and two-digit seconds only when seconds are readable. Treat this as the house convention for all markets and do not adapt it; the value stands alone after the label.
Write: 7.19
